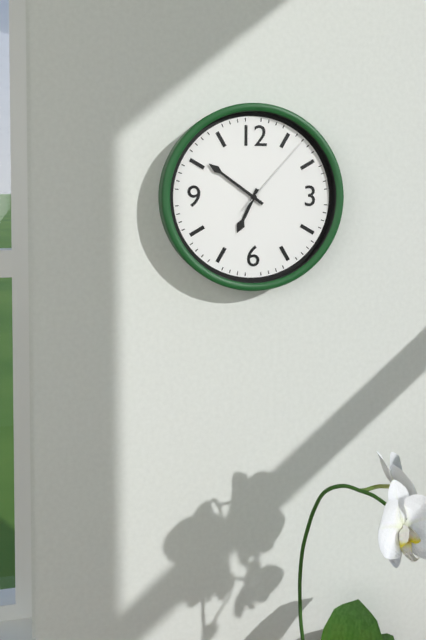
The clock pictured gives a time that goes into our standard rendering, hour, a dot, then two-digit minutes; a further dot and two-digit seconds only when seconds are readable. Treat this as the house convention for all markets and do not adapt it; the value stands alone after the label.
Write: 6.51.07
